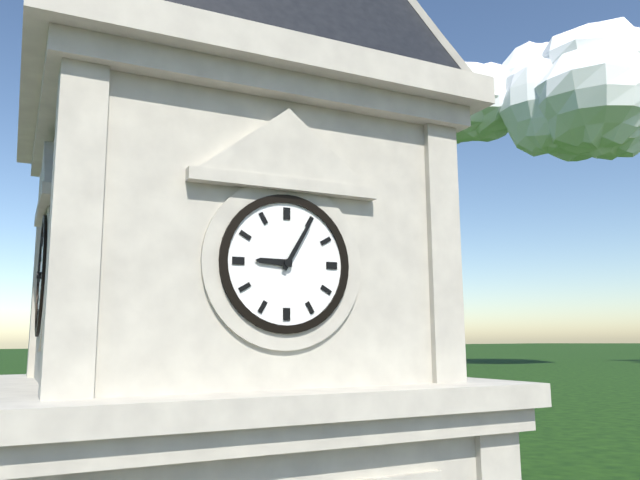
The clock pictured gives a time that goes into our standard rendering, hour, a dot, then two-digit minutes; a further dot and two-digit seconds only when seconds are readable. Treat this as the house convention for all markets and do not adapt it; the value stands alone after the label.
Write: 9.05
